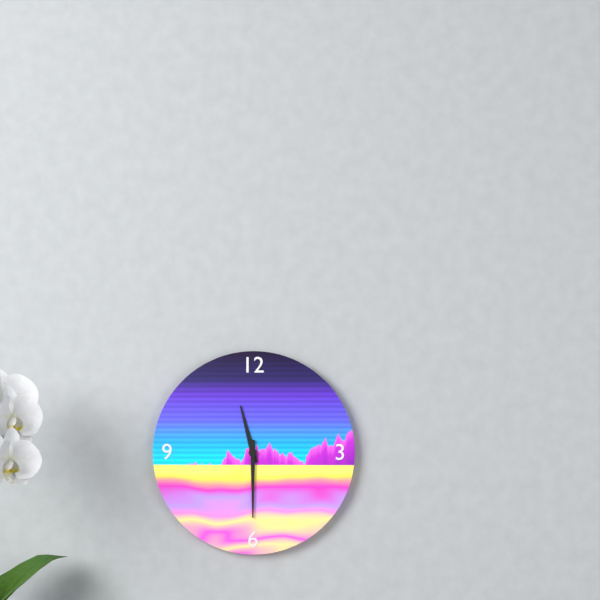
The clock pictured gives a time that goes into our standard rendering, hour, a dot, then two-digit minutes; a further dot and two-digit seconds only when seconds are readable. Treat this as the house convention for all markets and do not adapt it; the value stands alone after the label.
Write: 11.30
